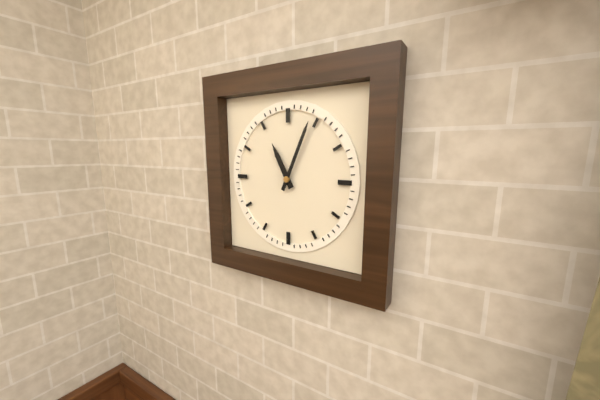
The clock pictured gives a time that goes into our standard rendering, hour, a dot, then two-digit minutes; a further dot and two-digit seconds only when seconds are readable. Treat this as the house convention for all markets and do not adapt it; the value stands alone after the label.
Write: 11.04
